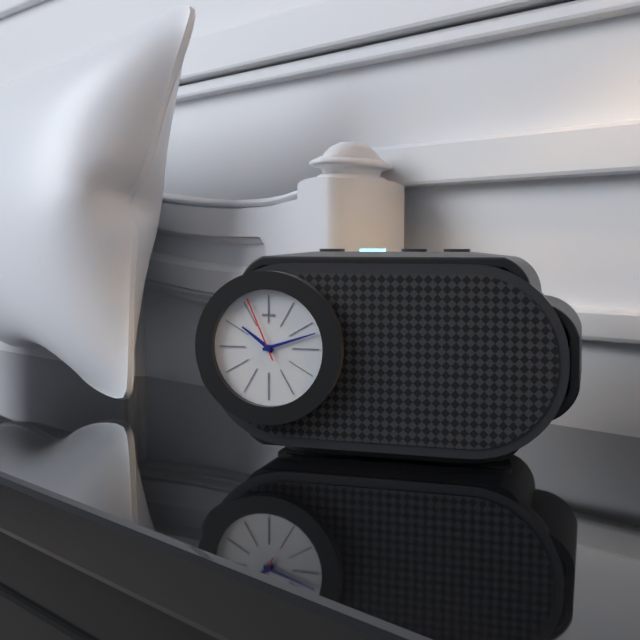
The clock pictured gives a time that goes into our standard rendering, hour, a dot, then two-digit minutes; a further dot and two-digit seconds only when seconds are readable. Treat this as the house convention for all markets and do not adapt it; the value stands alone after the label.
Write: 10.12.56
